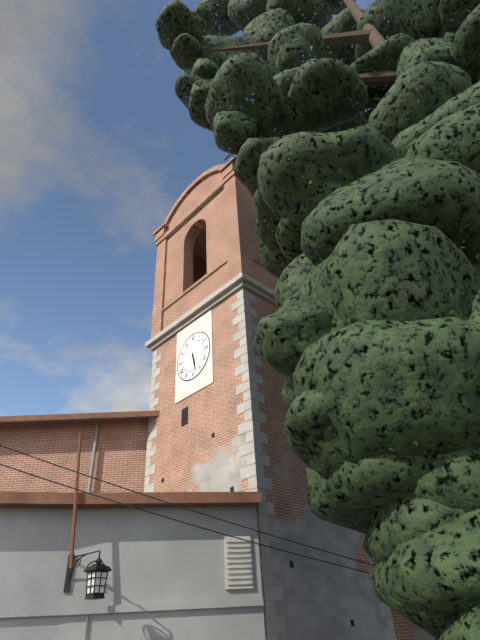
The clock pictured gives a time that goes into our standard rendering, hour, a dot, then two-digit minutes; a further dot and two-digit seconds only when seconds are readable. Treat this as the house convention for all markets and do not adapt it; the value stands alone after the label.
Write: 5.28
